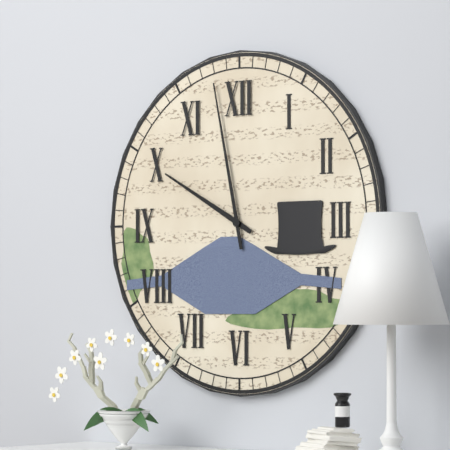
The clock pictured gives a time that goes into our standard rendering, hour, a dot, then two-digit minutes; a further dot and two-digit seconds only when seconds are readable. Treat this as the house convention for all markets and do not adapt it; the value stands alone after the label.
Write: 9.58
